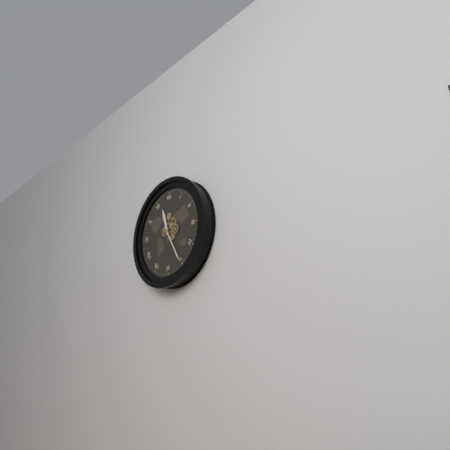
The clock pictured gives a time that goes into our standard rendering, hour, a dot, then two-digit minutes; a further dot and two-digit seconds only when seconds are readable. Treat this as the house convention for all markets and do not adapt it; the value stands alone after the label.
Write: 11.25
